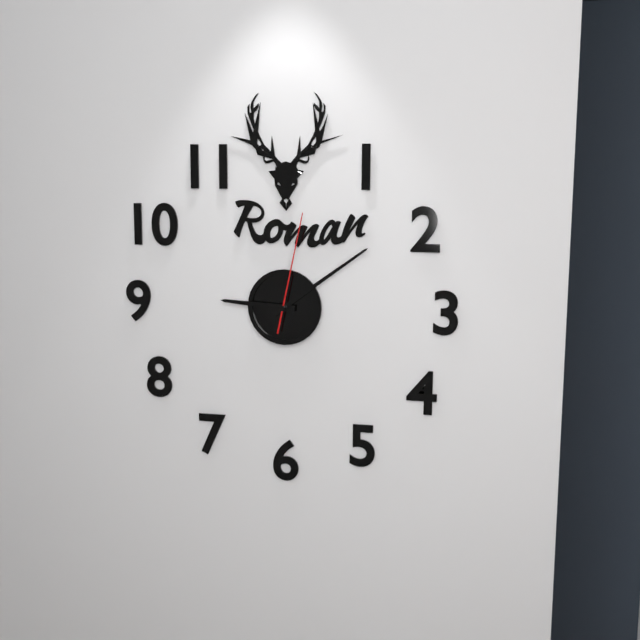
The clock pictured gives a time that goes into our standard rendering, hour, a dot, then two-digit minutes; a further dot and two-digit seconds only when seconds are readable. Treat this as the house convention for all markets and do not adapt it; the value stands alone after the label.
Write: 9.09.02
